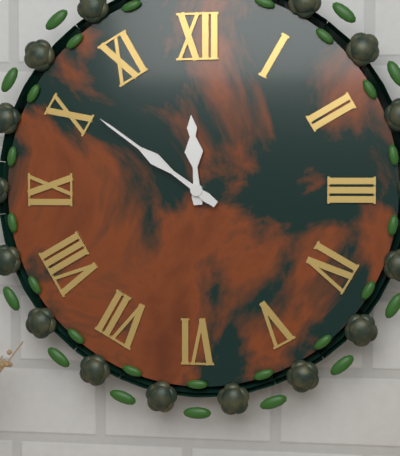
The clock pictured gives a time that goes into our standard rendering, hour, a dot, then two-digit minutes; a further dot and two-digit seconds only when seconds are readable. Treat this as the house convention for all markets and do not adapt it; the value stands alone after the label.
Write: 11.51
